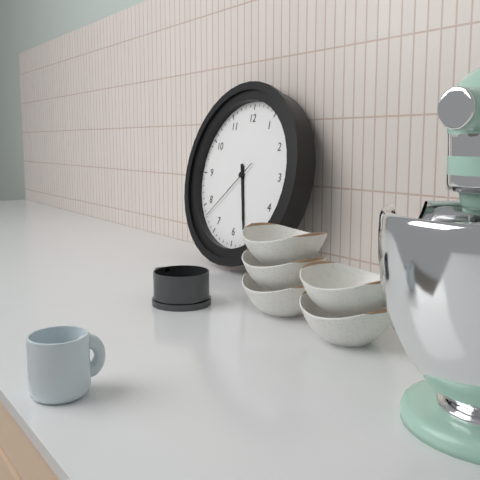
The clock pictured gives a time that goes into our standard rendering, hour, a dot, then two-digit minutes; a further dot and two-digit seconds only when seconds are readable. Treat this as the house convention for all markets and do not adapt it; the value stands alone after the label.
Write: 5.27.38
